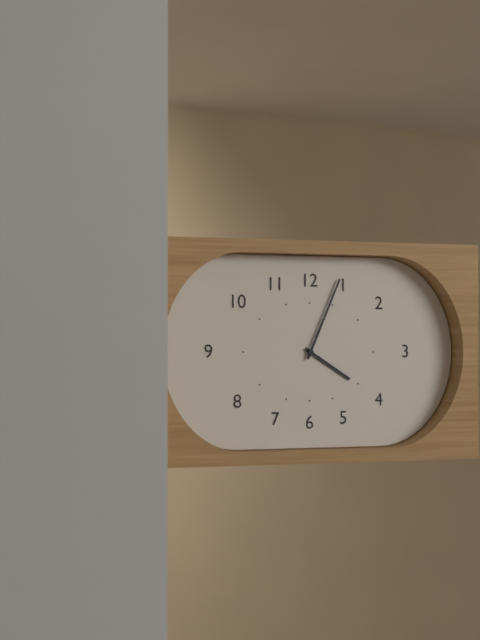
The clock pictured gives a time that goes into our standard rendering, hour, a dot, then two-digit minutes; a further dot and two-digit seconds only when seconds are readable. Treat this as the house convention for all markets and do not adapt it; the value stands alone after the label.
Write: 4.04
